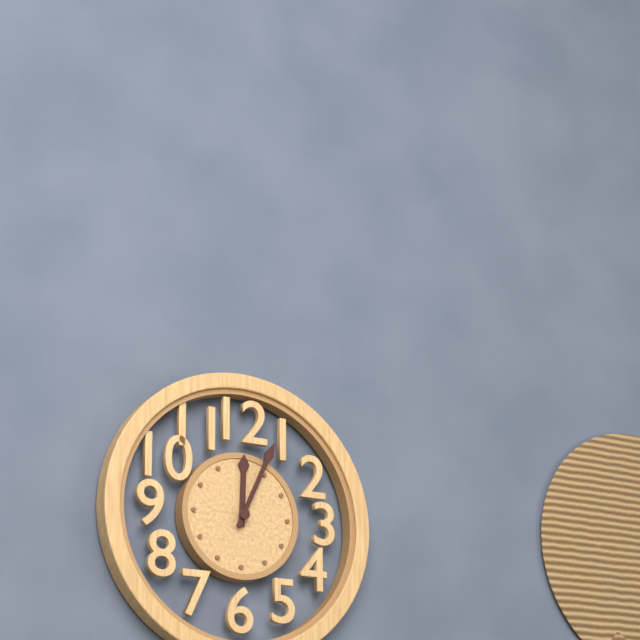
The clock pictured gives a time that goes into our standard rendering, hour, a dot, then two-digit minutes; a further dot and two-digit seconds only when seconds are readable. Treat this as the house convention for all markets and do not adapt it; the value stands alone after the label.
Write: 12.04
